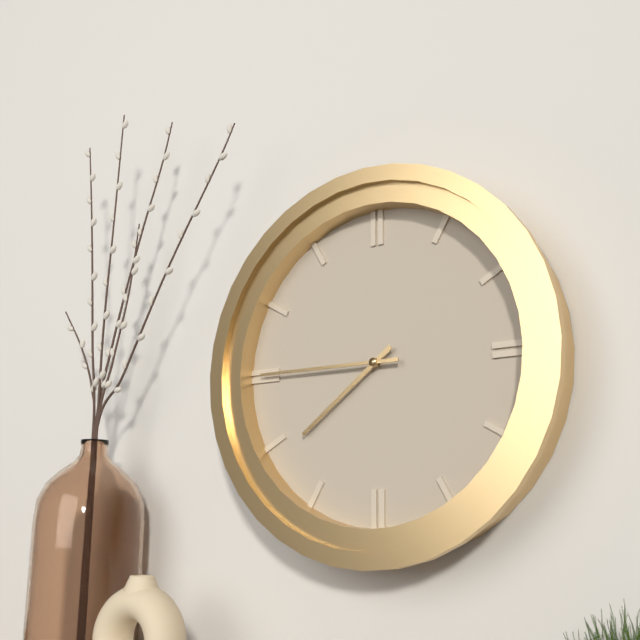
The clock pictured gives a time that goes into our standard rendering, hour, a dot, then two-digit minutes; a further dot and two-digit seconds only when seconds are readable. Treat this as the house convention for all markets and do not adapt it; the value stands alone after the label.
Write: 7.45
